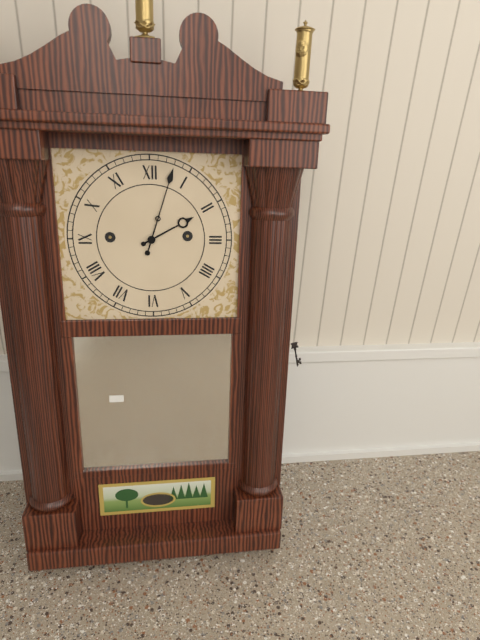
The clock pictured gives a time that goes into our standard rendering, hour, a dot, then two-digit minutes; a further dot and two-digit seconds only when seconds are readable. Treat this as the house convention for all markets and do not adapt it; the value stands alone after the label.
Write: 2.03
